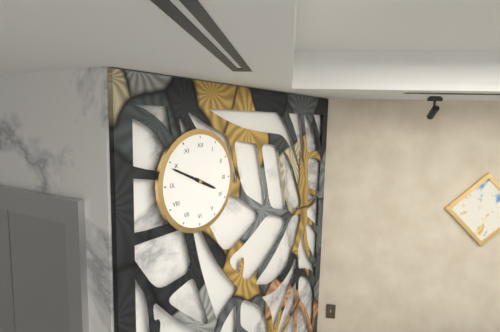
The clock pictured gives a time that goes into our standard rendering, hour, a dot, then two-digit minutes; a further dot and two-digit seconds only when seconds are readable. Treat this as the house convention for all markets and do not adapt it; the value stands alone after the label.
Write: 3.49
